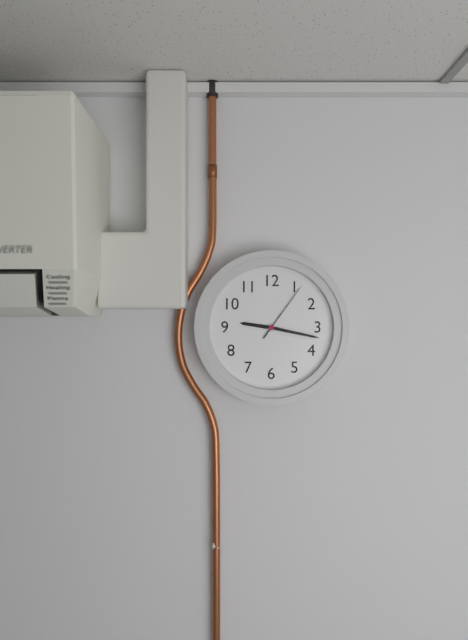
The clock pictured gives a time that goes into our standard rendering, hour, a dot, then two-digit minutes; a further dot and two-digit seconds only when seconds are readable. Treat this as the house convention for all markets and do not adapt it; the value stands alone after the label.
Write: 9.17.06
